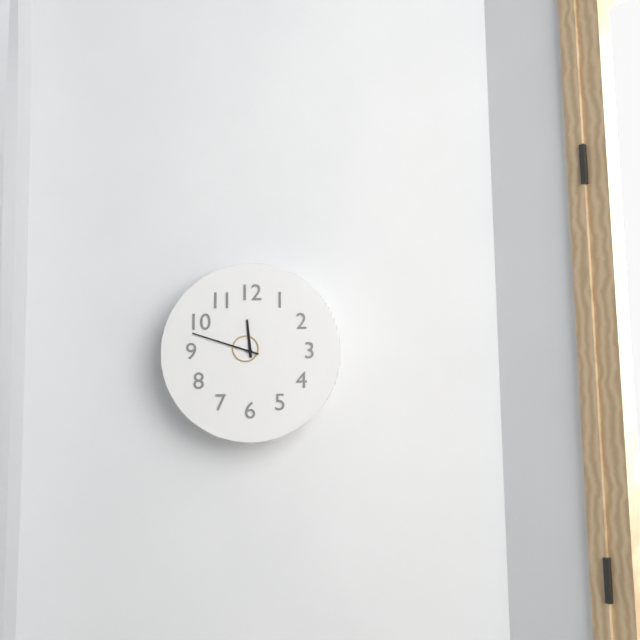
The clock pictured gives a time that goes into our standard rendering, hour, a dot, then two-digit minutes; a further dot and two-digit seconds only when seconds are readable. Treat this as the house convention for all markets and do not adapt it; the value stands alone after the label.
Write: 11.48
